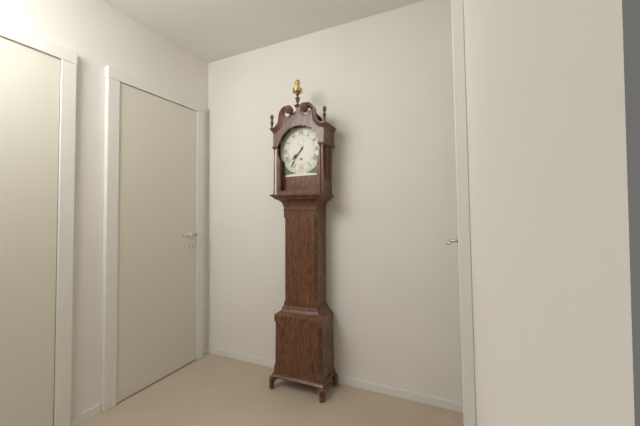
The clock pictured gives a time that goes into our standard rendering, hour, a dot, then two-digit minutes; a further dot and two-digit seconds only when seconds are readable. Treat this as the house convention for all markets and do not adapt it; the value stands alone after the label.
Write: 7.36
